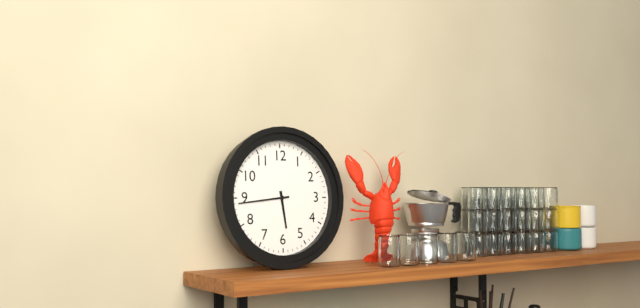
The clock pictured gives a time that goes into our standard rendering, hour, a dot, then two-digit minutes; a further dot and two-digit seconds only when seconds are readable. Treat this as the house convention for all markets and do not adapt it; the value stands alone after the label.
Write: 5.44
